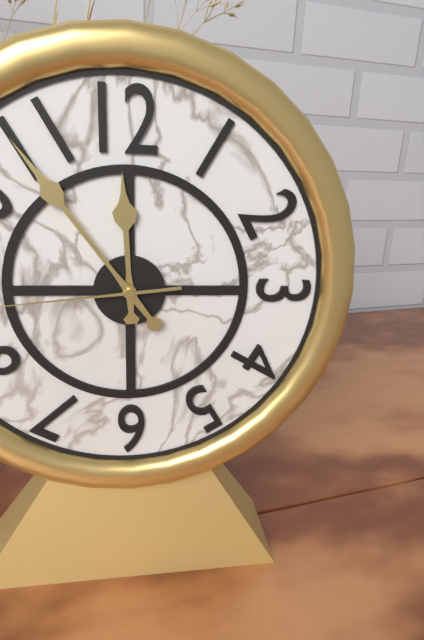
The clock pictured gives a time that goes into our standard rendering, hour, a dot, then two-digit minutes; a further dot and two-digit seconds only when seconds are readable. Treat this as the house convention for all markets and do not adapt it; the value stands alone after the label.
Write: 11.54
